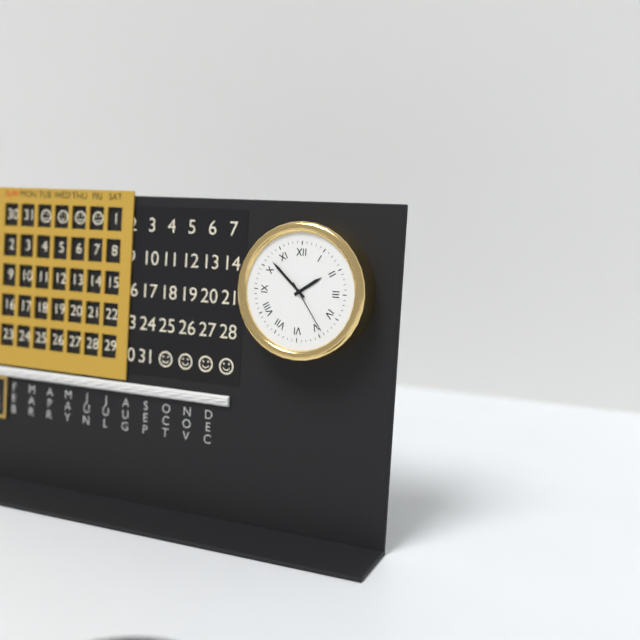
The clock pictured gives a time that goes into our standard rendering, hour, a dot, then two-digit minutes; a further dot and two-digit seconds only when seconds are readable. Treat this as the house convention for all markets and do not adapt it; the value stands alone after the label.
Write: 1.52.24
